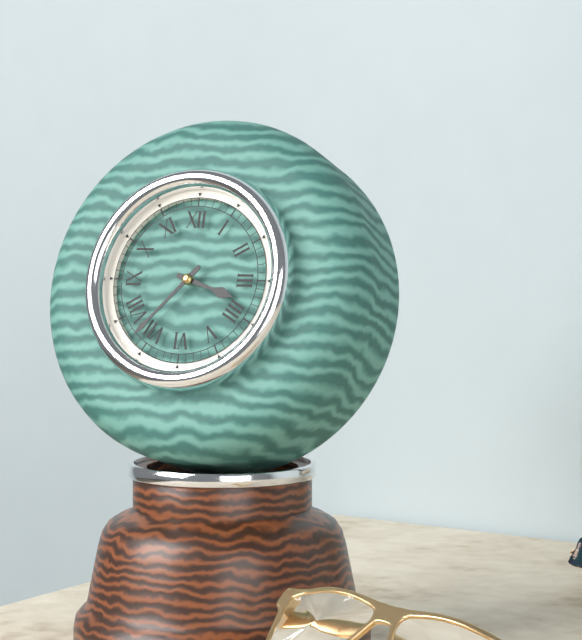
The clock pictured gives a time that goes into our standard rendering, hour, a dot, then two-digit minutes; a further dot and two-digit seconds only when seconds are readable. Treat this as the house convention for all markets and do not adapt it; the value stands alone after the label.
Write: 3.37
